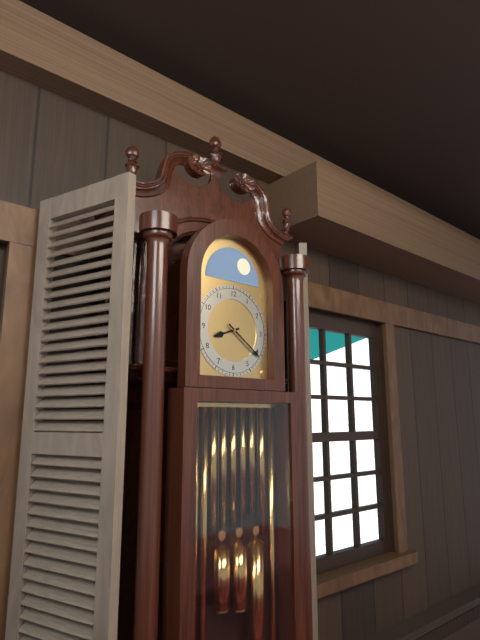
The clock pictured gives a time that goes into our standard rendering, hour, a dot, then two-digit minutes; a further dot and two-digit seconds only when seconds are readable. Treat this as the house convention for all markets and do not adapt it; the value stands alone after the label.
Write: 8.21
